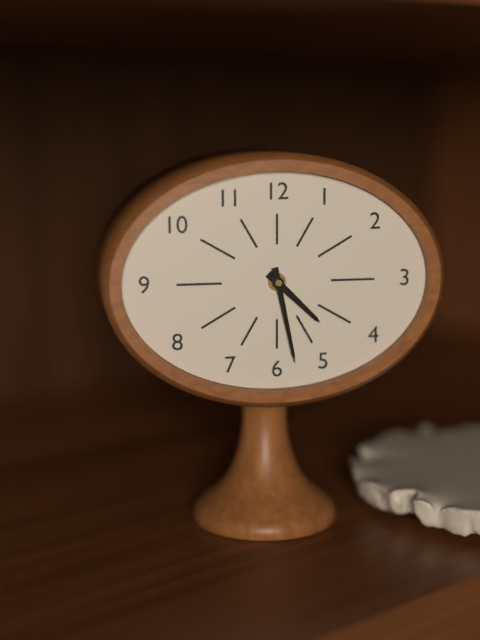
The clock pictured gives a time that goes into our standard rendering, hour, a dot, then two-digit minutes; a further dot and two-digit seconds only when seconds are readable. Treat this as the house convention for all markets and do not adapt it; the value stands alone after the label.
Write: 4.28
